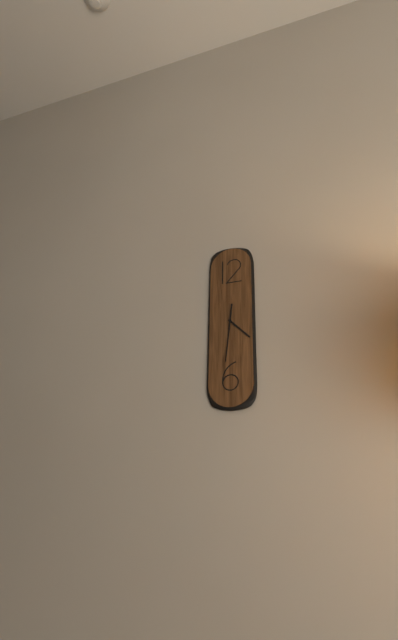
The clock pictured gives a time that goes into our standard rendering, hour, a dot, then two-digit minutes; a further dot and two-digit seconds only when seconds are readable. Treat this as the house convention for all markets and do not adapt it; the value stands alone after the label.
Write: 4.31
